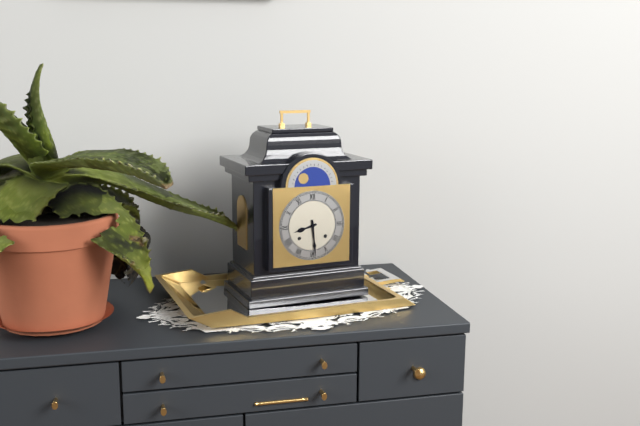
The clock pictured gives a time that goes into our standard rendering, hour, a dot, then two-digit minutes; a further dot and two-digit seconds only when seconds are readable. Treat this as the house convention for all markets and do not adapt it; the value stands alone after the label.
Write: 8.29
